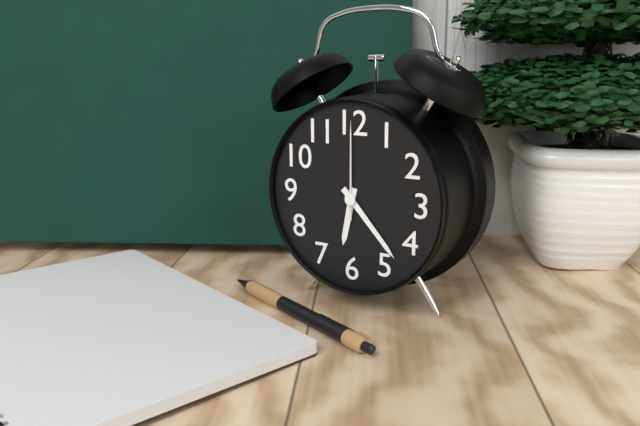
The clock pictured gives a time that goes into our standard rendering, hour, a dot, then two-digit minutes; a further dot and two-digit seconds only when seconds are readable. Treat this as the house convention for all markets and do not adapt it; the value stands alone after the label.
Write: 6.23.00
